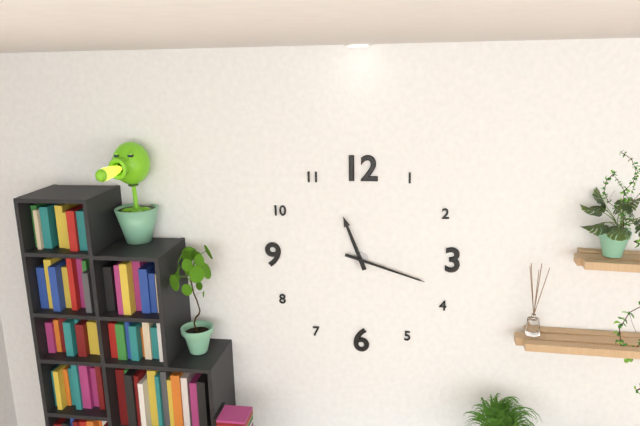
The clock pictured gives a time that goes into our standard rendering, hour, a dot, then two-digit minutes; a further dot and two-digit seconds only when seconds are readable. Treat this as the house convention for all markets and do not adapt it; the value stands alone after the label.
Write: 11.18
